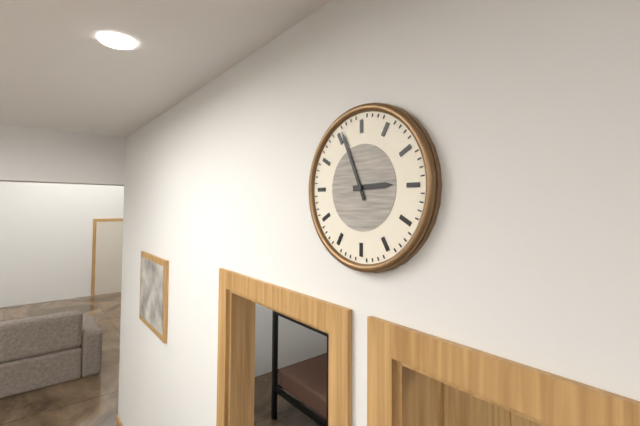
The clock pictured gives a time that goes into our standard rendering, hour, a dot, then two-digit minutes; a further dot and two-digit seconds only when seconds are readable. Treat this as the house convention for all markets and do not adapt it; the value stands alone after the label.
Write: 2.56
